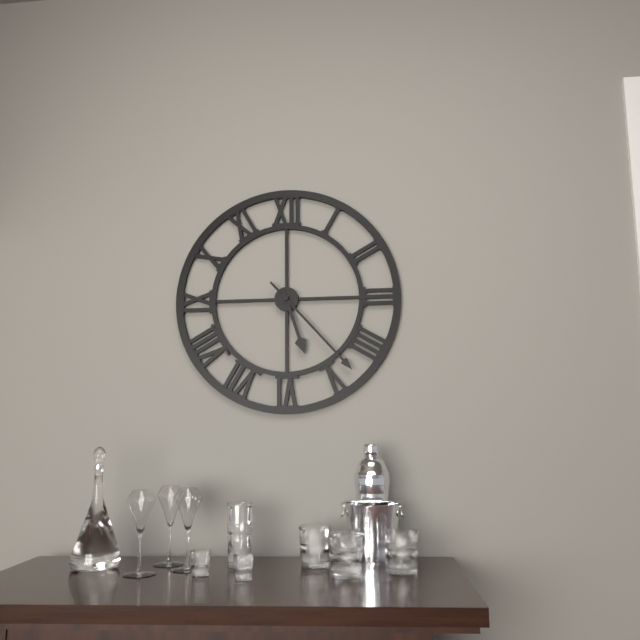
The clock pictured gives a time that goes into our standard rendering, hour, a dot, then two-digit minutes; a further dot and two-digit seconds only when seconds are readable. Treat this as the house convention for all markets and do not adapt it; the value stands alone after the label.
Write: 5.23
